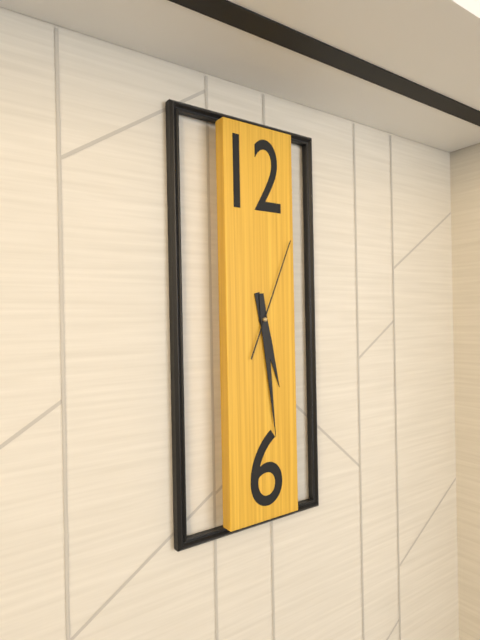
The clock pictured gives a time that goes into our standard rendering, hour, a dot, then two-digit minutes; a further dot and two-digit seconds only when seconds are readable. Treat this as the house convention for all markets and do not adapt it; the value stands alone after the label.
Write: 5.29.04
